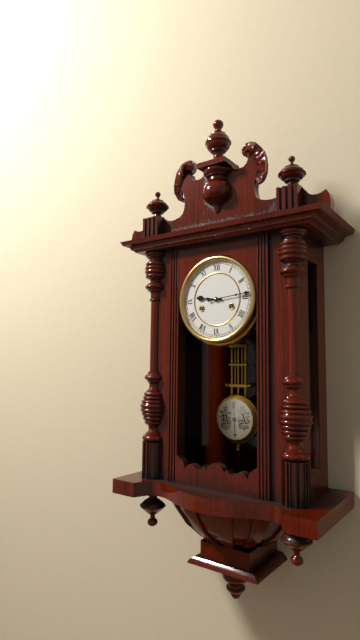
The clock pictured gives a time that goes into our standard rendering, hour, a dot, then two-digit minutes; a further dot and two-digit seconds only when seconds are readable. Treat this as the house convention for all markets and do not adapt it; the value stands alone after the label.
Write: 9.14
